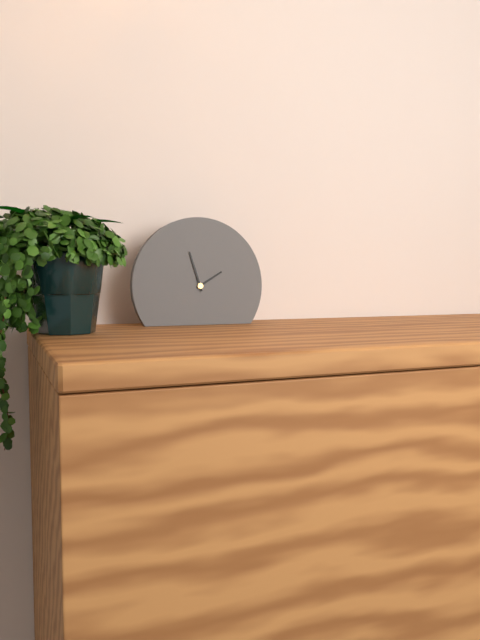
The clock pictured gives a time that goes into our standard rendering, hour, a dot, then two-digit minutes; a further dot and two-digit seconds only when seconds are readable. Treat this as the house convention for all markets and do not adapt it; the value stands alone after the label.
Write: 1.57
